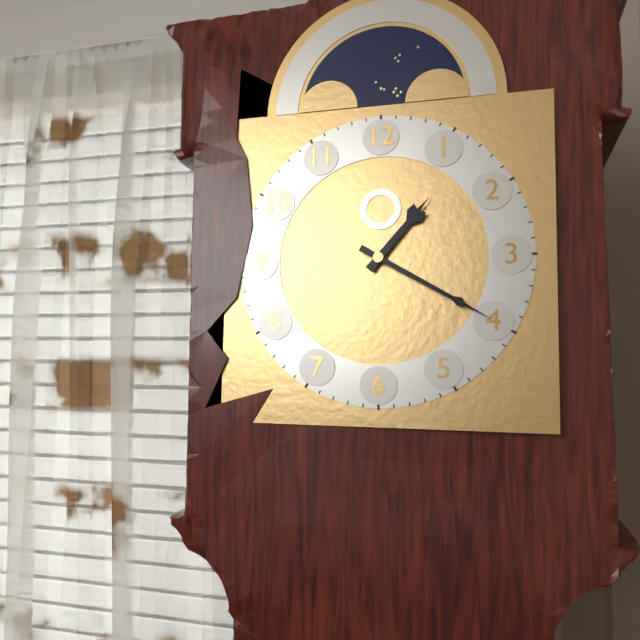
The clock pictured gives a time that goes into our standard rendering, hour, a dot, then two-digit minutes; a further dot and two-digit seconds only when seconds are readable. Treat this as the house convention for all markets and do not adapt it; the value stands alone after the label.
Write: 1.20
